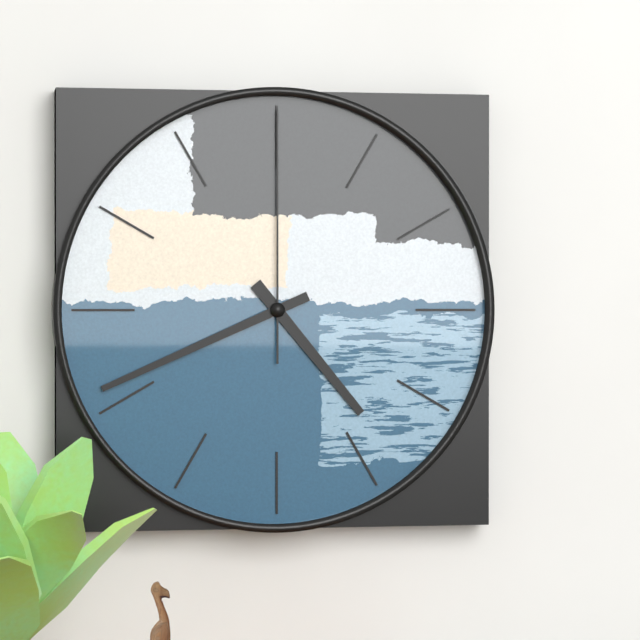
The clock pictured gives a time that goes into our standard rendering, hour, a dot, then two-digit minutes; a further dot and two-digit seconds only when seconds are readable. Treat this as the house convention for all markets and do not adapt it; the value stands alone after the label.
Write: 4.41.00
